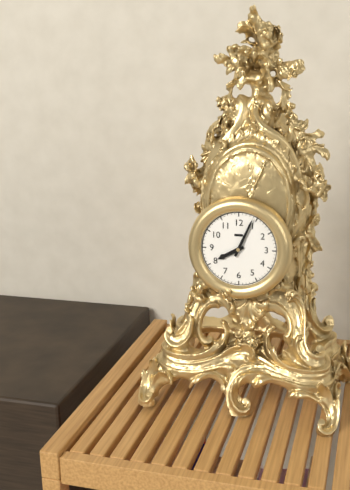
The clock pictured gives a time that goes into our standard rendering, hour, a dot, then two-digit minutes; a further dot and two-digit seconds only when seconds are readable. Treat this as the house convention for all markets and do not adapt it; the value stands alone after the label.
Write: 8.04
